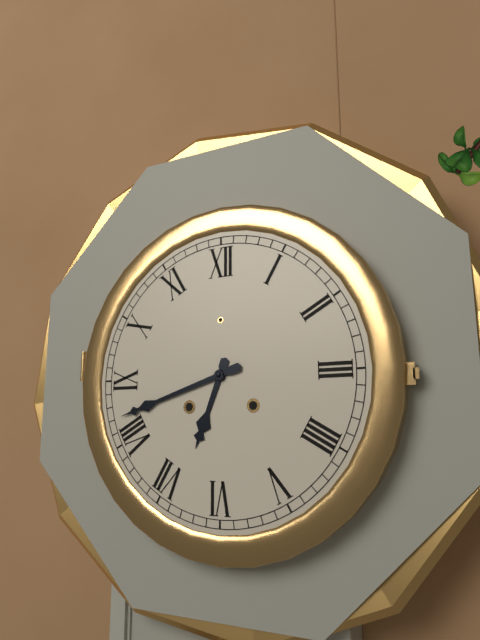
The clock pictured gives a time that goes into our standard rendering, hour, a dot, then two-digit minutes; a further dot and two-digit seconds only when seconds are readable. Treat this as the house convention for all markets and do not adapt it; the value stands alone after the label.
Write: 6.42
